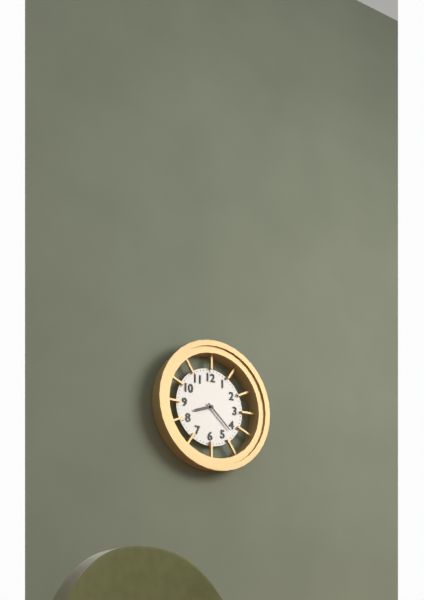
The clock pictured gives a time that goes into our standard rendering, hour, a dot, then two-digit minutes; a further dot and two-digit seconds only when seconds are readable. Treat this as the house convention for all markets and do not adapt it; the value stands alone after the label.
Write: 8.22
